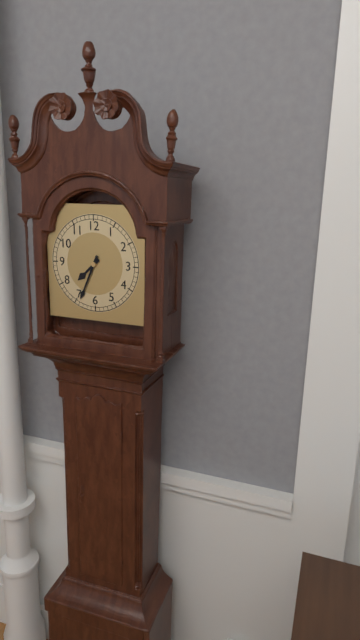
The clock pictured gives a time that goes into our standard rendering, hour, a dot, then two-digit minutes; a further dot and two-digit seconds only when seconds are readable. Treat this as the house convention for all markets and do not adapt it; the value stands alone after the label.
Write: 7.34
